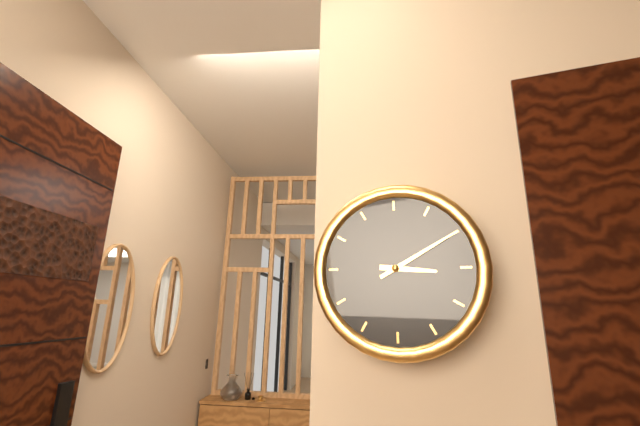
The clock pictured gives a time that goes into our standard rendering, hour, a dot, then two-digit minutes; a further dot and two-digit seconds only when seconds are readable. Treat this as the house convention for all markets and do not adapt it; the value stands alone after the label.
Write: 3.10
